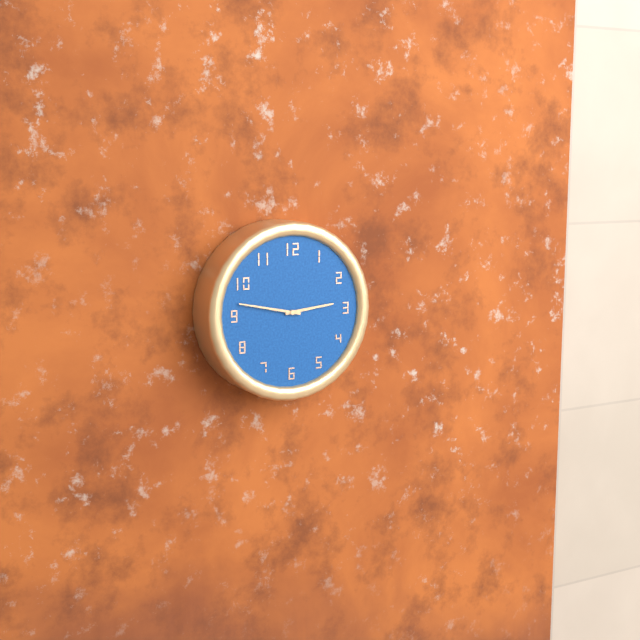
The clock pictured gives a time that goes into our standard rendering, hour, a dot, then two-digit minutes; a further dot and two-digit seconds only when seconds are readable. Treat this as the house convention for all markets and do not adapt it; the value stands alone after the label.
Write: 2.47
